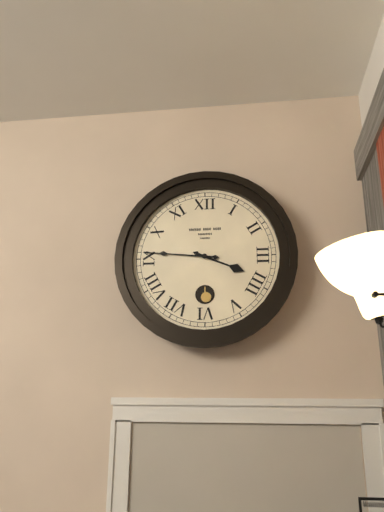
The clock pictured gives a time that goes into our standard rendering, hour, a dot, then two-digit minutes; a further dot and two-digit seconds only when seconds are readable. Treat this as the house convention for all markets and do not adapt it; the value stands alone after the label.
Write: 3.46
